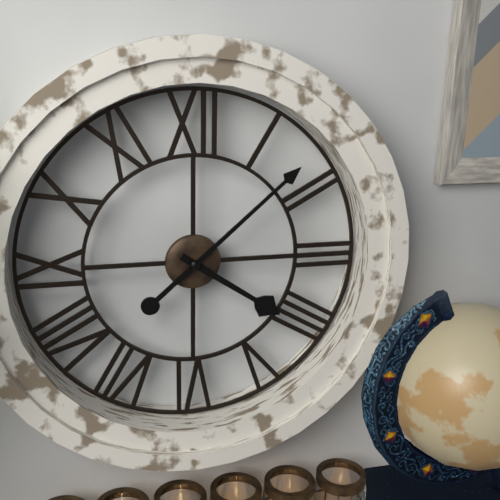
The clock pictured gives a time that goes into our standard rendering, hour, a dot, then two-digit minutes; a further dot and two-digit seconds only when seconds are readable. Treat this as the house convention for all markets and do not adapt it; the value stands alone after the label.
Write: 4.08
